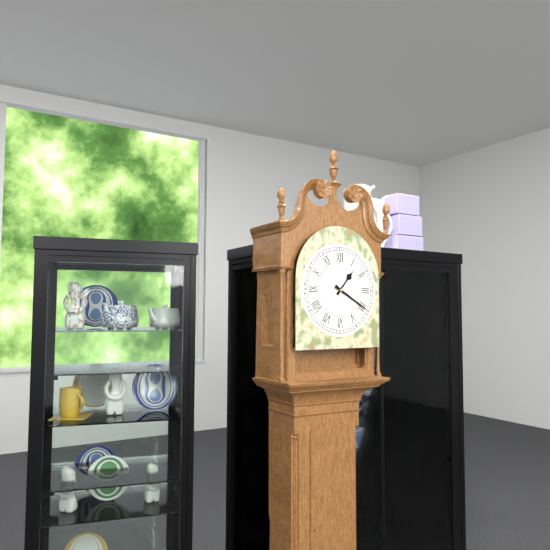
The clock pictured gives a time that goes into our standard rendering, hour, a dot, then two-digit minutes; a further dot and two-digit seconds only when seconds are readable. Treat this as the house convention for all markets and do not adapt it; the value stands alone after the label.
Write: 1.20
